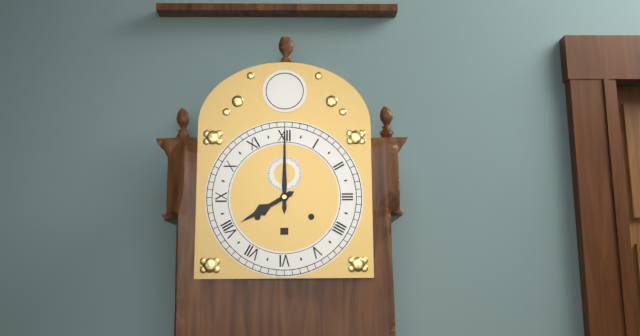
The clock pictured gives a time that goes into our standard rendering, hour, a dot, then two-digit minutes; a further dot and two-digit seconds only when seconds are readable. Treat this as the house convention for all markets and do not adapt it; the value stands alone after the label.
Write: 8.00
